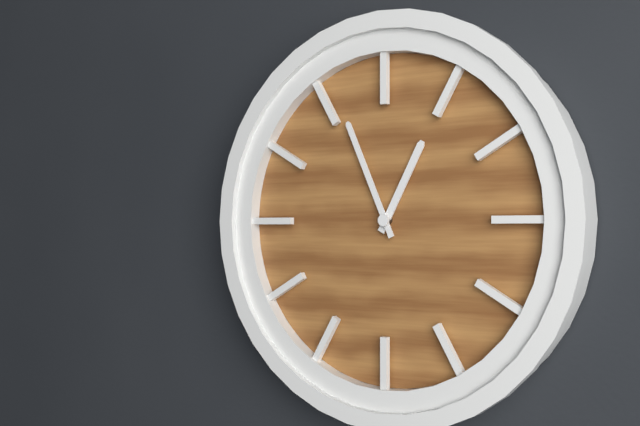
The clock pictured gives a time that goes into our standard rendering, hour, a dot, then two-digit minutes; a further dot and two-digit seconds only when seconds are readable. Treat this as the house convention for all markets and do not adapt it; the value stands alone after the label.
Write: 12.56
